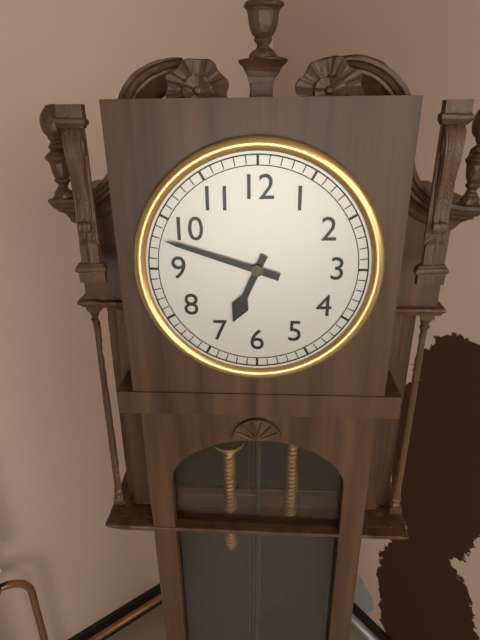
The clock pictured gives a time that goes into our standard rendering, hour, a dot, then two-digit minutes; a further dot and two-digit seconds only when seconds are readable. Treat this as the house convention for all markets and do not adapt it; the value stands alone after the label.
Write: 6.48
